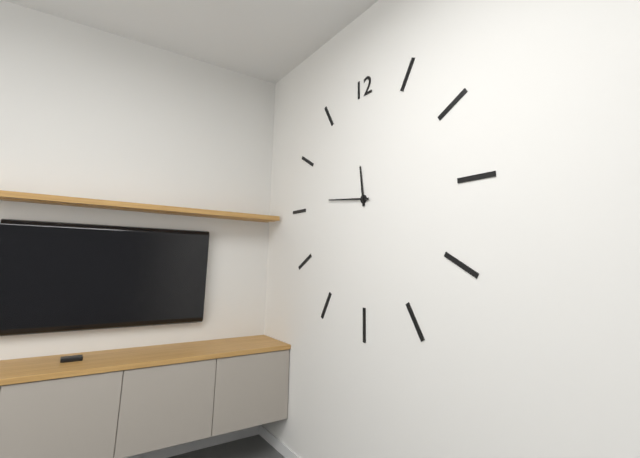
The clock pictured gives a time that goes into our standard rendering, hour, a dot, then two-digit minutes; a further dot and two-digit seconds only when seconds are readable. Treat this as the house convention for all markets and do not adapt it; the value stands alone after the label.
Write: 11.46
